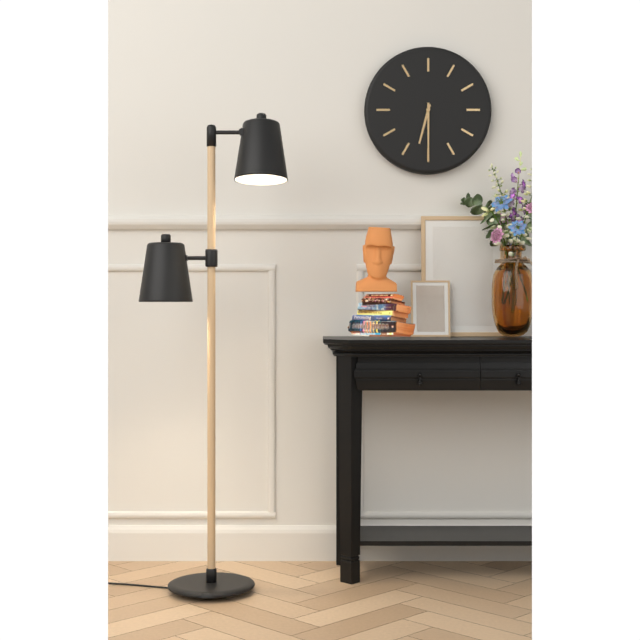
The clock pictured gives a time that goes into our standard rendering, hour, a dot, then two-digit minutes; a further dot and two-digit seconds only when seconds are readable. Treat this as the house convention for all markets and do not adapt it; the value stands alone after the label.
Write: 6.30
